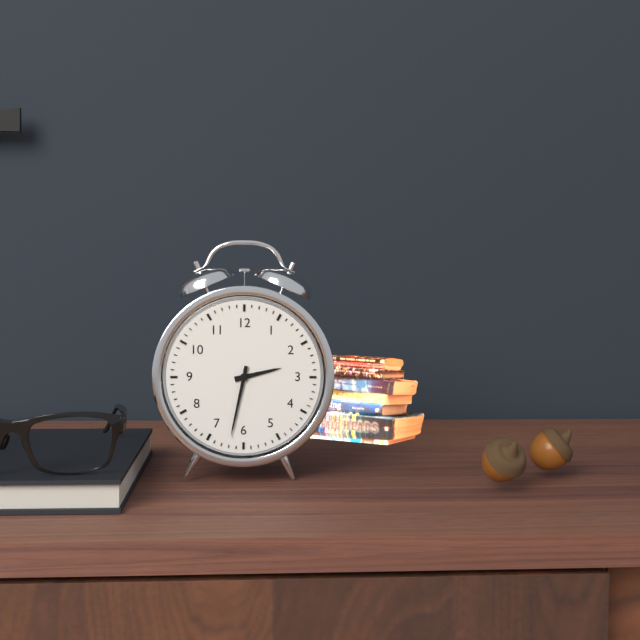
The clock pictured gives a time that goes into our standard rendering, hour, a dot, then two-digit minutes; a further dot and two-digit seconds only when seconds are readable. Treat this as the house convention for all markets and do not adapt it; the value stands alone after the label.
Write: 2.32
